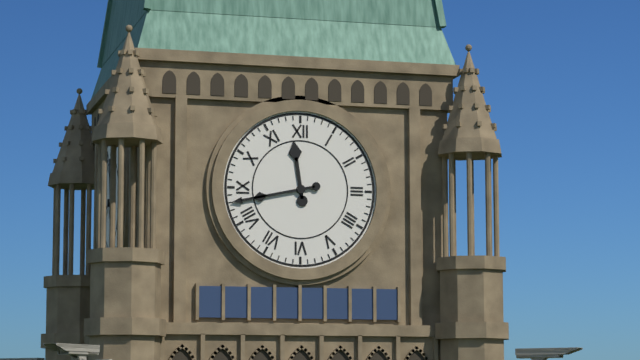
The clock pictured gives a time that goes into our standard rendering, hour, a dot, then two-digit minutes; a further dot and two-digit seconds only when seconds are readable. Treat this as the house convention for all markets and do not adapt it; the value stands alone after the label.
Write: 11.43
